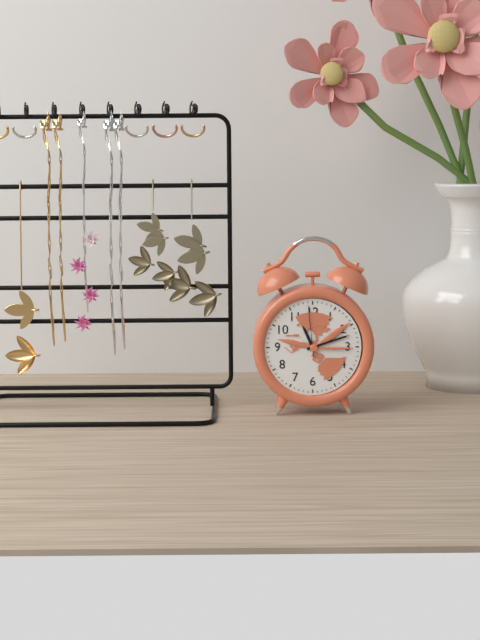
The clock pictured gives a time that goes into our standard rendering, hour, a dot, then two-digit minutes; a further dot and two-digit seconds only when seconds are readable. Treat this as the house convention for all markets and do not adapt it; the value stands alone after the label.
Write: 11.12.59
